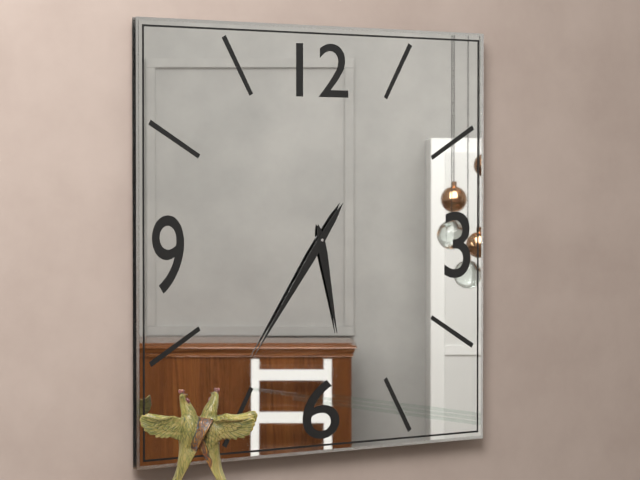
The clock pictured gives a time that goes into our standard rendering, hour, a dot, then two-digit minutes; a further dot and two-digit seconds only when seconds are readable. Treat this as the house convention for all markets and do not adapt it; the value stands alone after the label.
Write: 5.36
